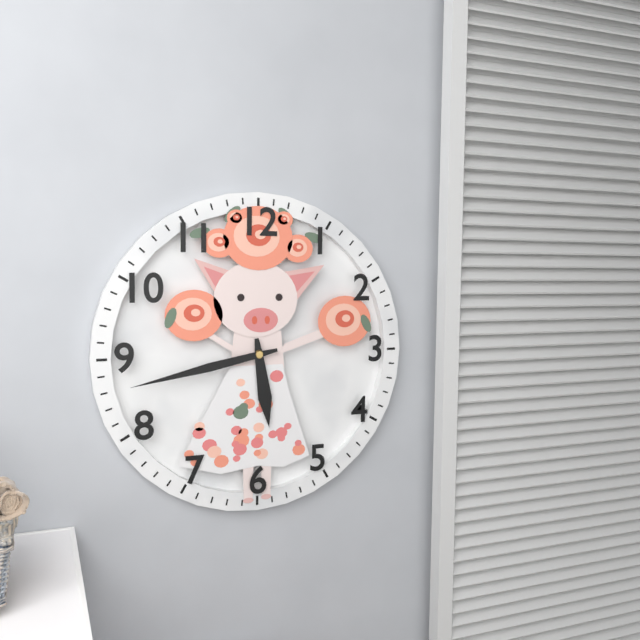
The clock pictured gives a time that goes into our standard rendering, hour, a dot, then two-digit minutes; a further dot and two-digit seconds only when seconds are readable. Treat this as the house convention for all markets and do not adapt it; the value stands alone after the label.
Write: 5.43
